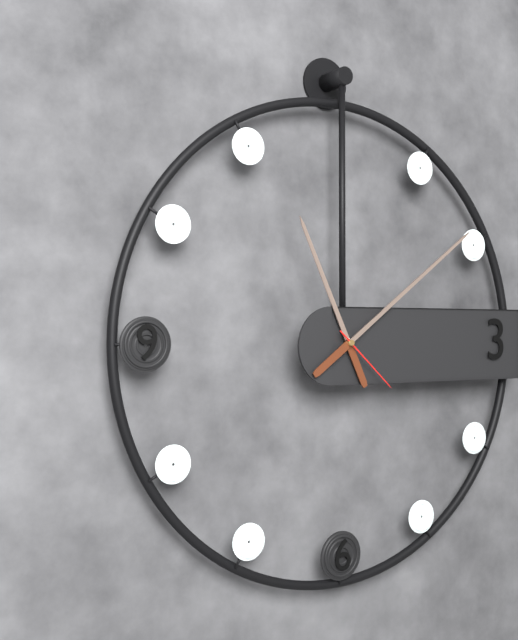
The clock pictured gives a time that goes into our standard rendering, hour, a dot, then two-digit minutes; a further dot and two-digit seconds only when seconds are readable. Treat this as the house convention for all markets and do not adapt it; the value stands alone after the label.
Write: 11.09.22
